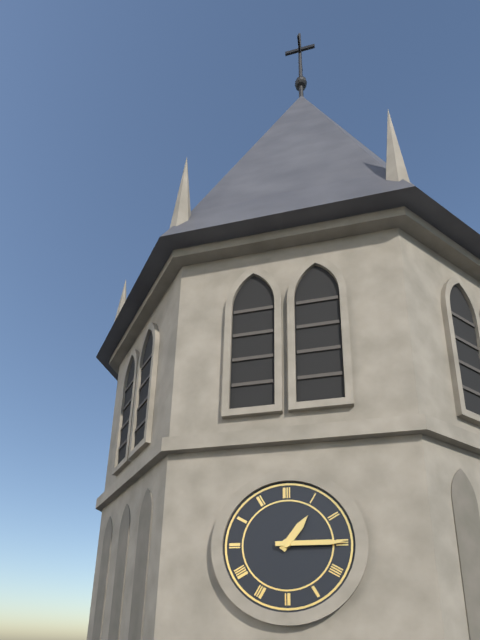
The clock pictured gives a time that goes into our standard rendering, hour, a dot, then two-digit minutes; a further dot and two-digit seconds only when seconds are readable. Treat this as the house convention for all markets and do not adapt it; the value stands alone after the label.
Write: 1.15
